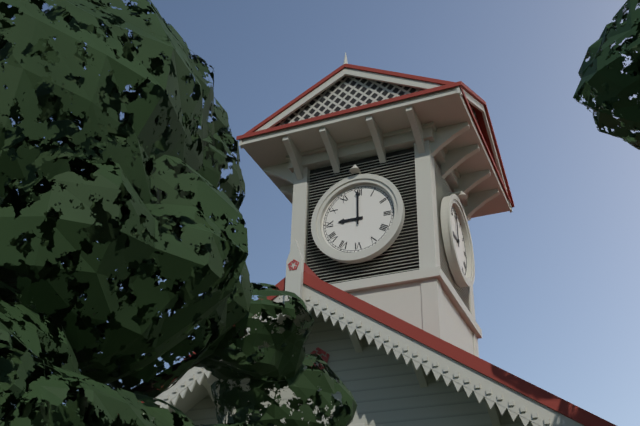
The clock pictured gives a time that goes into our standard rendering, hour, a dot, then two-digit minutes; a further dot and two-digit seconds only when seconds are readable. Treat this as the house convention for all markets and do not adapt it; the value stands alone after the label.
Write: 9.00
